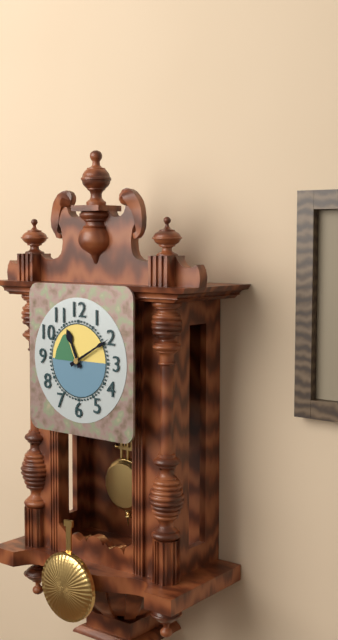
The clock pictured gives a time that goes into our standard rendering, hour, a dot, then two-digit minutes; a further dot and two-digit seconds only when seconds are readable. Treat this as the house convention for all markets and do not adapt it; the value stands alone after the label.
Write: 11.10
